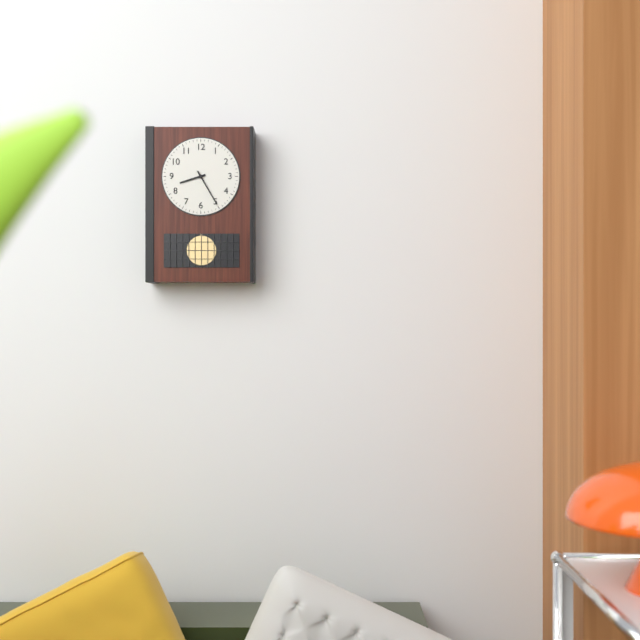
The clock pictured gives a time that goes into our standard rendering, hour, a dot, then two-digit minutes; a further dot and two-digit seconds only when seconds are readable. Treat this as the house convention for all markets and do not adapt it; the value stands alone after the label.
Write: 8.25
